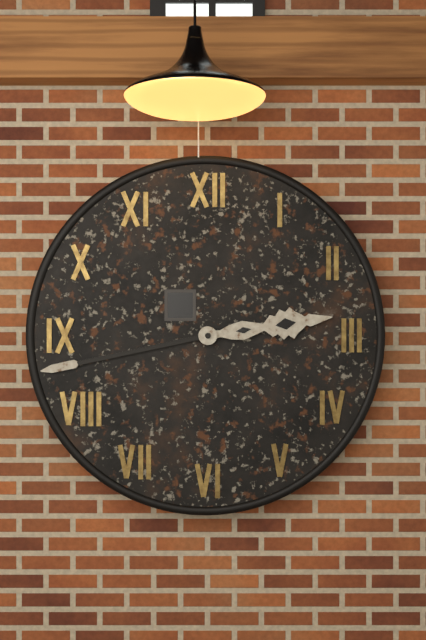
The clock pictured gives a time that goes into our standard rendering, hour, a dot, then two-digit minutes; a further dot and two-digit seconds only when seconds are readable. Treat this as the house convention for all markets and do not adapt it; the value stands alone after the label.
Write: 2.43
